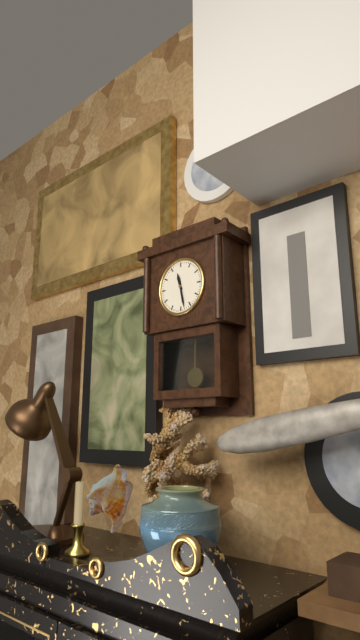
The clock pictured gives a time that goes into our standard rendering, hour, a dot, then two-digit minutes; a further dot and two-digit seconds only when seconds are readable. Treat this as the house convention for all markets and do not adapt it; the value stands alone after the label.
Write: 11.28
